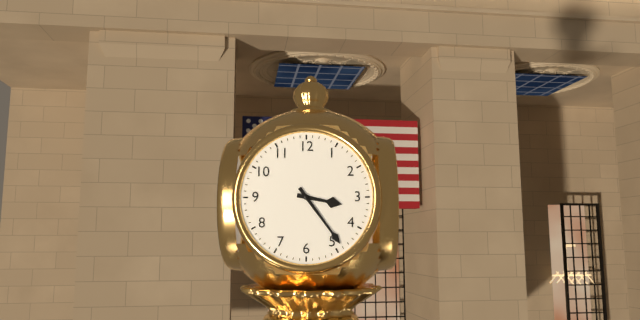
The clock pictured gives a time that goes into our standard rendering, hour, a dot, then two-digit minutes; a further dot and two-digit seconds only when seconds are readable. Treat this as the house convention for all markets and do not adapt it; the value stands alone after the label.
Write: 3.24
